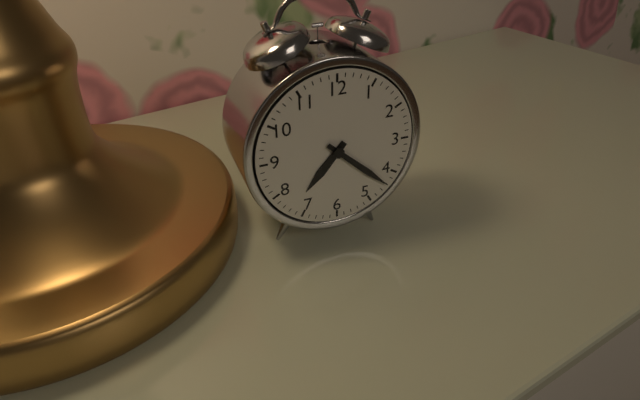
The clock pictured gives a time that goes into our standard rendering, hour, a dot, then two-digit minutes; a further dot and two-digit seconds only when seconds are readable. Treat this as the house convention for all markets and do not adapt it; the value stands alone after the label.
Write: 7.22
